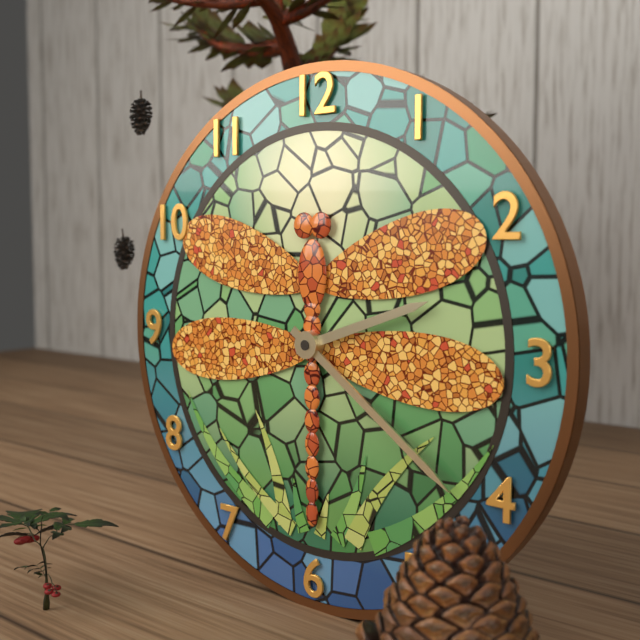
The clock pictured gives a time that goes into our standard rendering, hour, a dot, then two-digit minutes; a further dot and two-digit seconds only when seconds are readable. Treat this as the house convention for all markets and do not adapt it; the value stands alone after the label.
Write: 2.21
